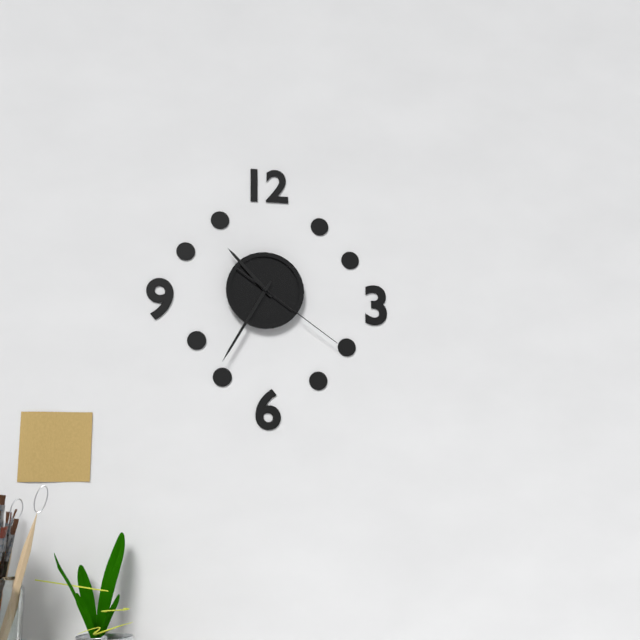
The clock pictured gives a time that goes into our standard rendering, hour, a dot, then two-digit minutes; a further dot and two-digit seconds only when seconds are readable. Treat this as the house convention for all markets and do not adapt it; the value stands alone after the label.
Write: 10.35.21
